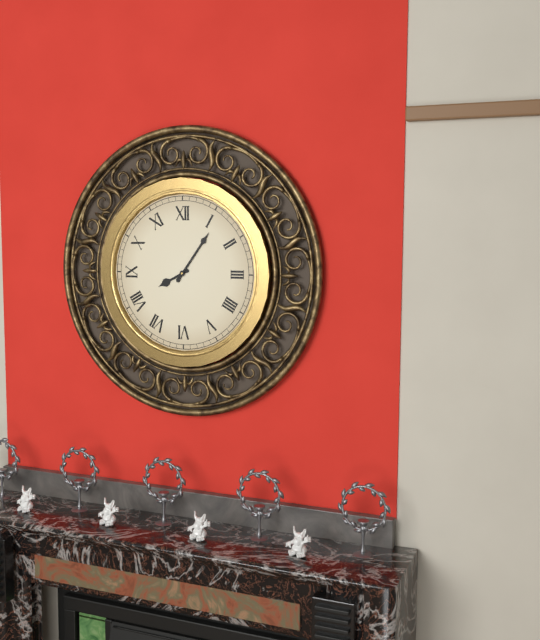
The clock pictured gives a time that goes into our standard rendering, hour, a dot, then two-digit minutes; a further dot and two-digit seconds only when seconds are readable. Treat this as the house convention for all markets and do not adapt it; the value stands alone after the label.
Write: 8.06
